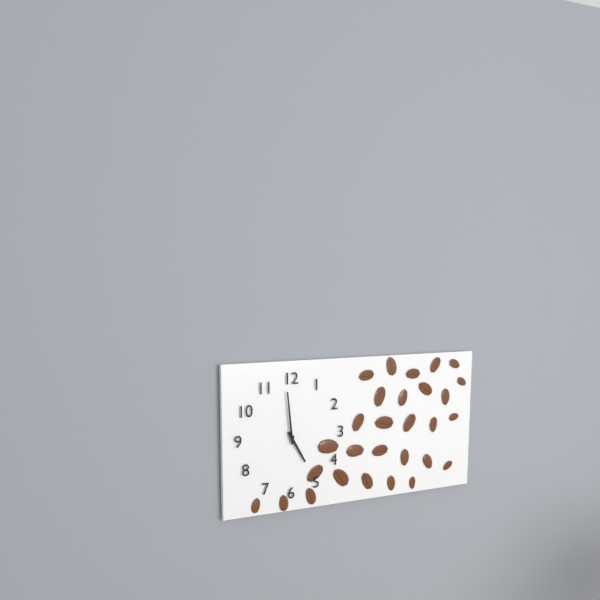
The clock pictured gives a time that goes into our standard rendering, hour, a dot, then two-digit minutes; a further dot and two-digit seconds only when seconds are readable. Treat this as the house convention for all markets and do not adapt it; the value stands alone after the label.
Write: 4.59
